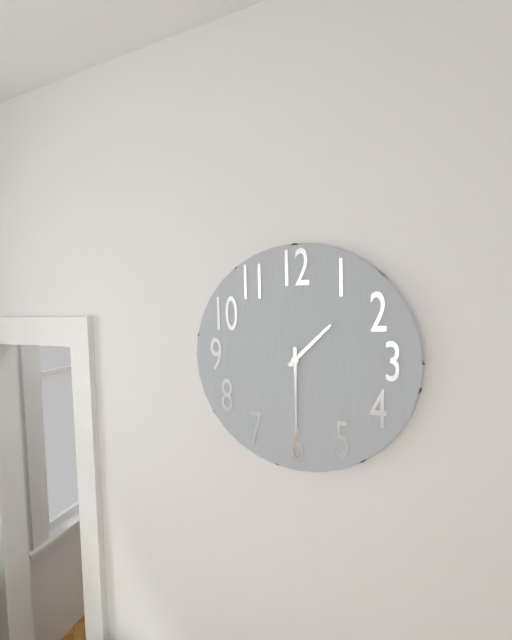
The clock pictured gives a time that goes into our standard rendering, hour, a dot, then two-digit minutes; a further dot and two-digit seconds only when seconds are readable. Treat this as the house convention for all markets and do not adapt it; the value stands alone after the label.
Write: 1.30
